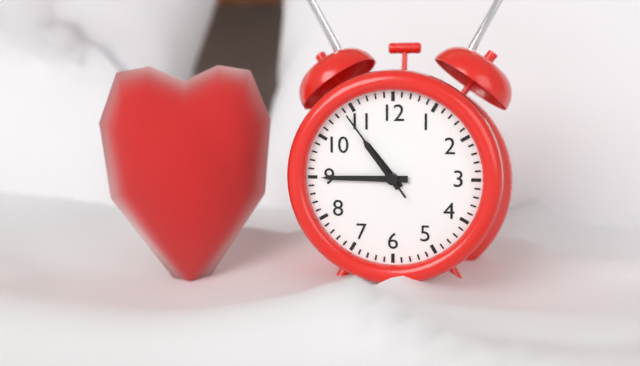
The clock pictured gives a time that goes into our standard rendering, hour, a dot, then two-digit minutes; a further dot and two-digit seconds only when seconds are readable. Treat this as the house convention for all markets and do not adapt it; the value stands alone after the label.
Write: 10.45.54
